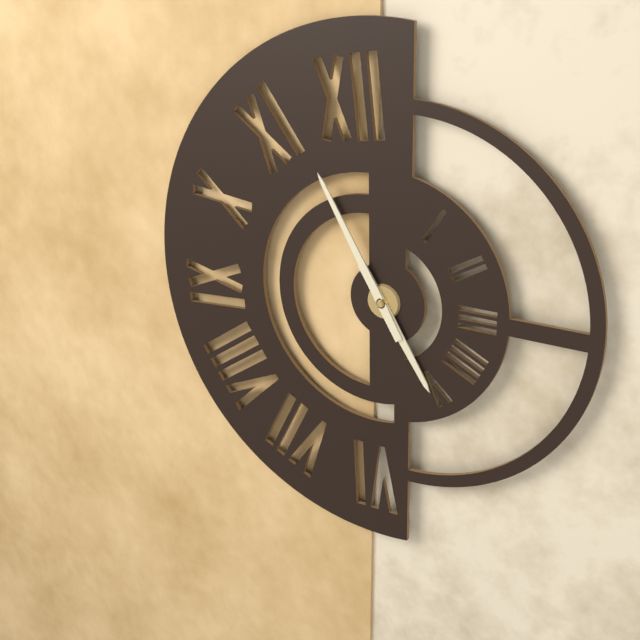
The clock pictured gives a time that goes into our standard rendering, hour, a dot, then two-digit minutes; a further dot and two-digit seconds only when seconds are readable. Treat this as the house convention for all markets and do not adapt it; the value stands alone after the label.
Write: 4.55
